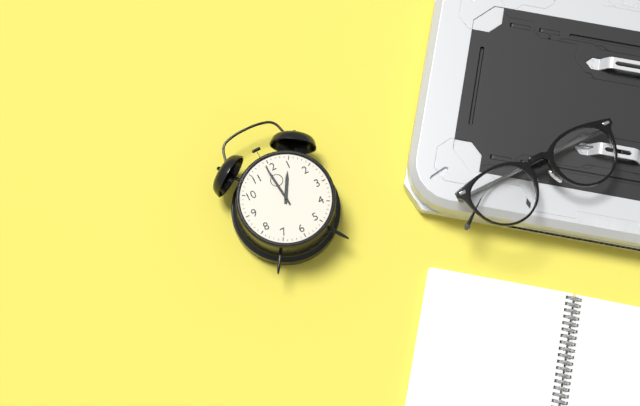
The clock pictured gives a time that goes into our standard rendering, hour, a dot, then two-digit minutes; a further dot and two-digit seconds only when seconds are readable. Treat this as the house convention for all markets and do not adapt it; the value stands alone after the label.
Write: 12.59
